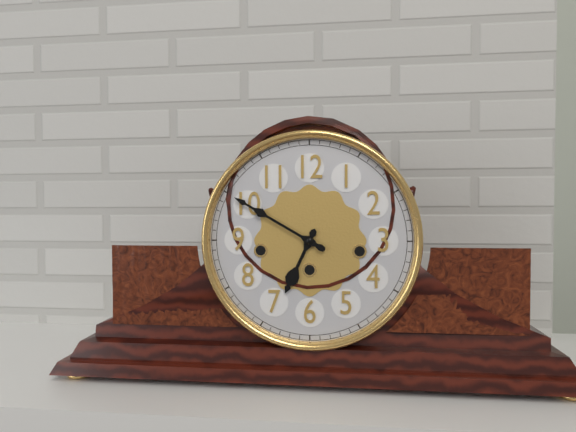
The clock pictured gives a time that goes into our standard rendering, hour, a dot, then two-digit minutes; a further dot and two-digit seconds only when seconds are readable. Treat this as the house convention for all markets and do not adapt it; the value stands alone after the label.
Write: 6.50
